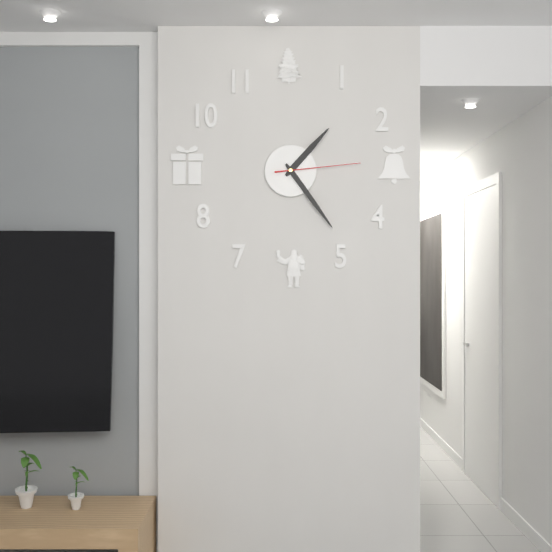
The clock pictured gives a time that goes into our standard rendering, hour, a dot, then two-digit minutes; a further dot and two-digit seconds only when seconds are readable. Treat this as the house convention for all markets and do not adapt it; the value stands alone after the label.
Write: 1.24.14
